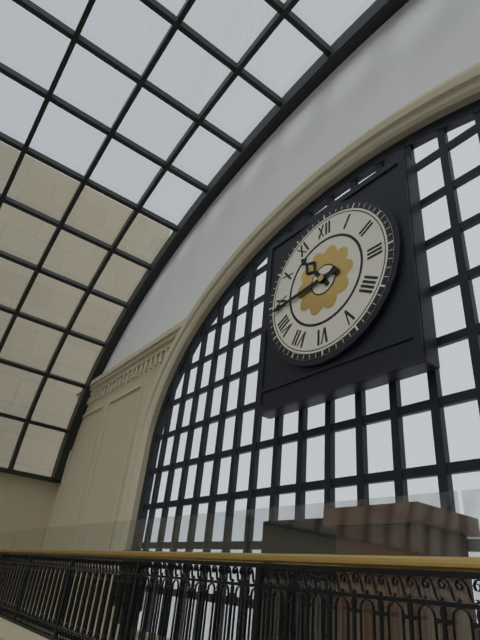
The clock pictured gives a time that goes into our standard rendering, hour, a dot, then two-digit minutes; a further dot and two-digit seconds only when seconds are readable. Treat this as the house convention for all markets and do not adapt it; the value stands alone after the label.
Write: 10.44
